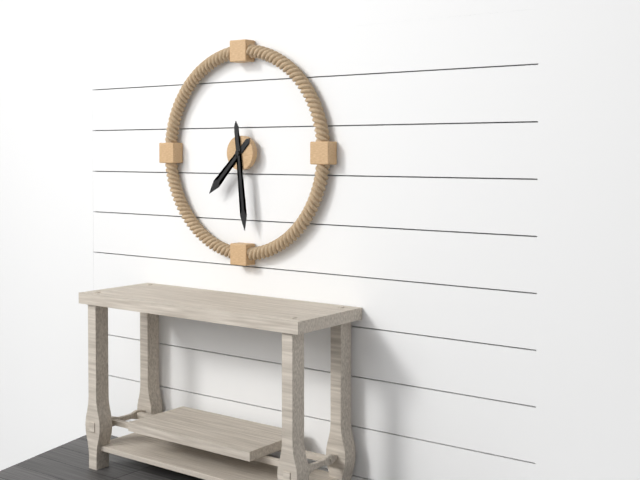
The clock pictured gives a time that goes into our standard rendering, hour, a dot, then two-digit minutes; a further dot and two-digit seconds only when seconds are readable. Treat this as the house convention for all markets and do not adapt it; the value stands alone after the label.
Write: 7.29
